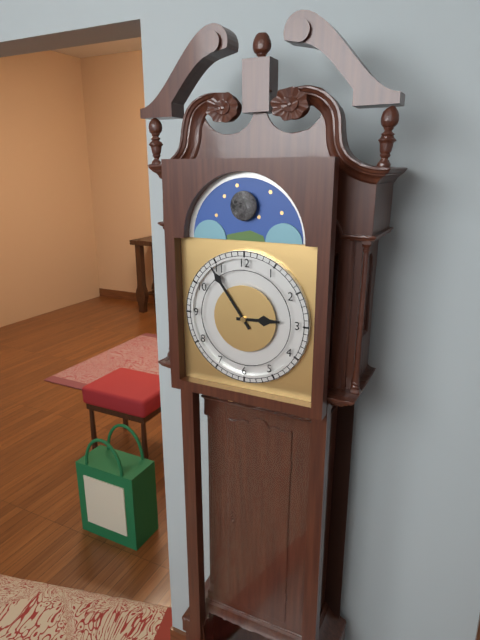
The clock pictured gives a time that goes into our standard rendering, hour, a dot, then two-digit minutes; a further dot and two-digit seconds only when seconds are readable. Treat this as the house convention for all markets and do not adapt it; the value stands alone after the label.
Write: 2.54
